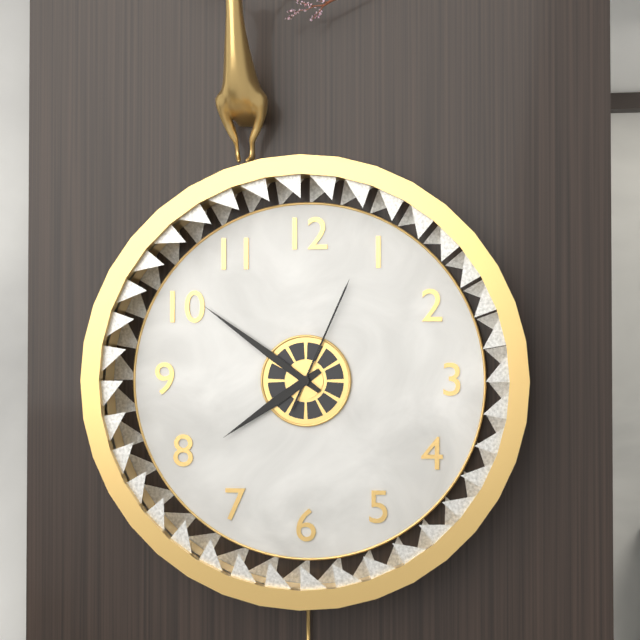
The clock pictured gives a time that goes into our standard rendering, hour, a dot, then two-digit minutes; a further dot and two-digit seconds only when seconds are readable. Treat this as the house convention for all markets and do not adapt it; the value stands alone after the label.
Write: 7.51.04
